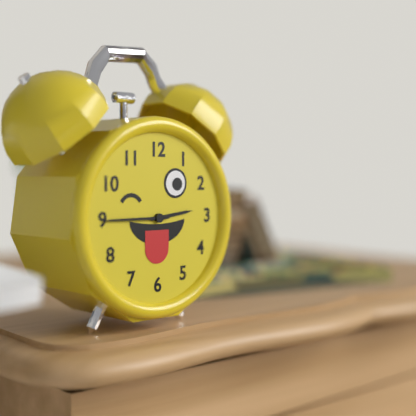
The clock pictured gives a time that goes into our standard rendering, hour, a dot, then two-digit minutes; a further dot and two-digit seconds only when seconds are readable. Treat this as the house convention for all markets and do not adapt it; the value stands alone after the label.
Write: 2.45
